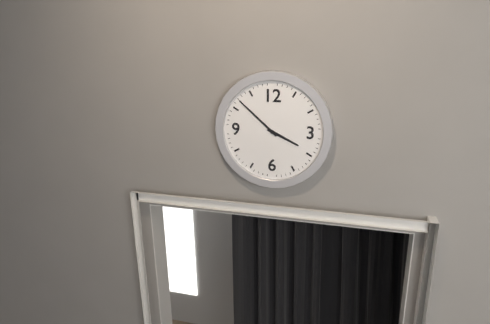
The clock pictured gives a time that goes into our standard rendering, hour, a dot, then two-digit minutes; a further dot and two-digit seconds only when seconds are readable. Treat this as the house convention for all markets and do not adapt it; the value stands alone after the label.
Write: 3.52
